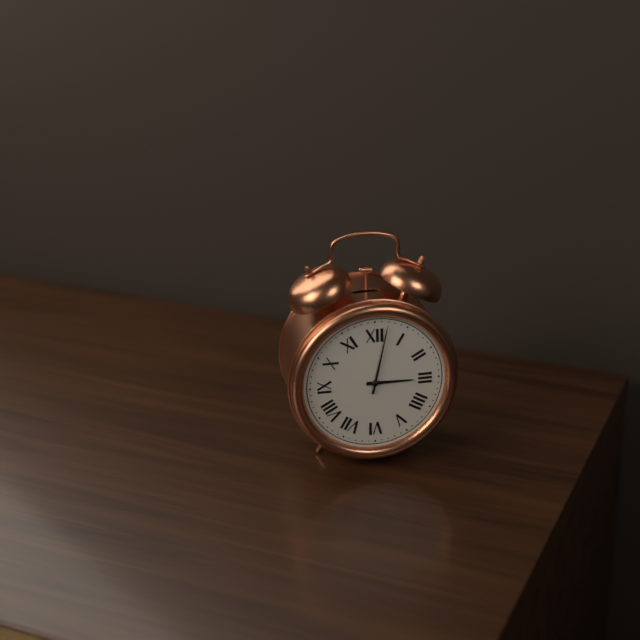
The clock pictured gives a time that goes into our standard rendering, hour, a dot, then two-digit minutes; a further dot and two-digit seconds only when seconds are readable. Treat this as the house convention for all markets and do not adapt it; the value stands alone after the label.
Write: 3.02
